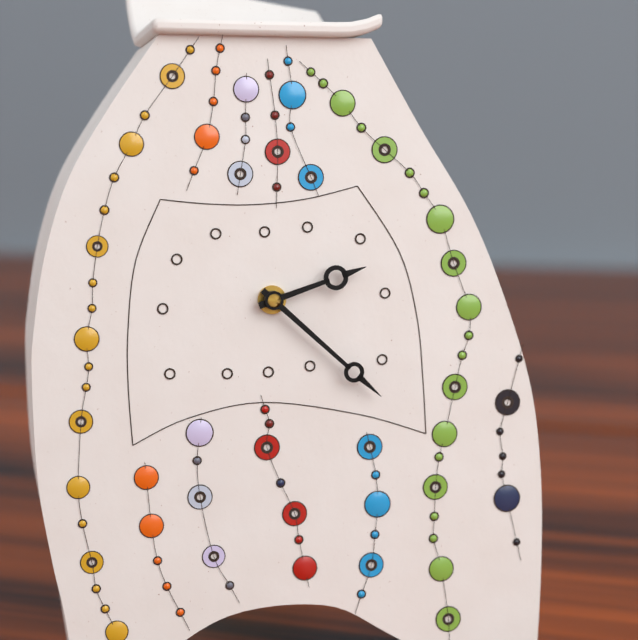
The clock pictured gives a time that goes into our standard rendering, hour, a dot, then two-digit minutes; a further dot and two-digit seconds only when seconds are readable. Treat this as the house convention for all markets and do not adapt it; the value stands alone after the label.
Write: 2.22
